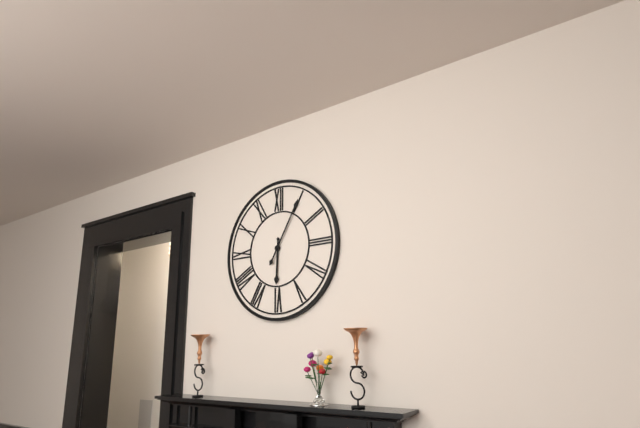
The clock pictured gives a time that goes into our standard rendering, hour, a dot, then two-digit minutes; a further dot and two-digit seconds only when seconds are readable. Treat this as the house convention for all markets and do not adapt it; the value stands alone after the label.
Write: 6.05
